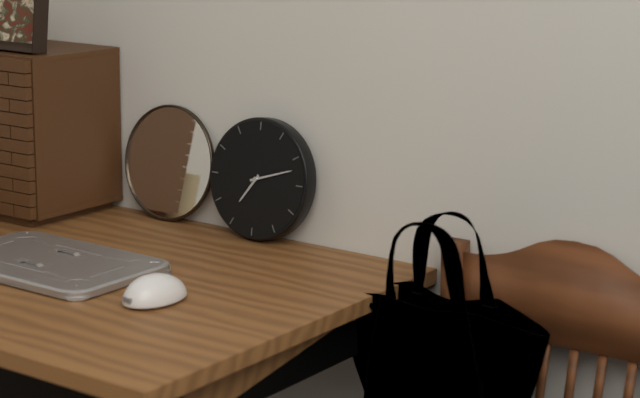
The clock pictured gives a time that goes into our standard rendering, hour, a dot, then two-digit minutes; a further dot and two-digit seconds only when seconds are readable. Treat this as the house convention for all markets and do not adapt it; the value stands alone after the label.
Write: 7.12
